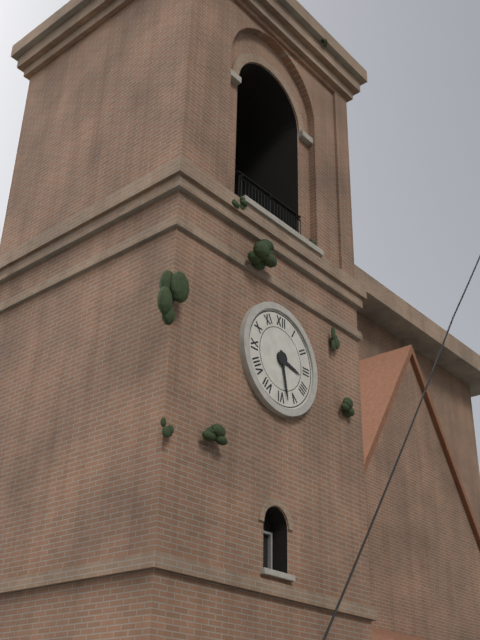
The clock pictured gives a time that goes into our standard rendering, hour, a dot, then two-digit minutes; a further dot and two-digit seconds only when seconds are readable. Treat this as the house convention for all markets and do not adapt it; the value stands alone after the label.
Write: 3.28
